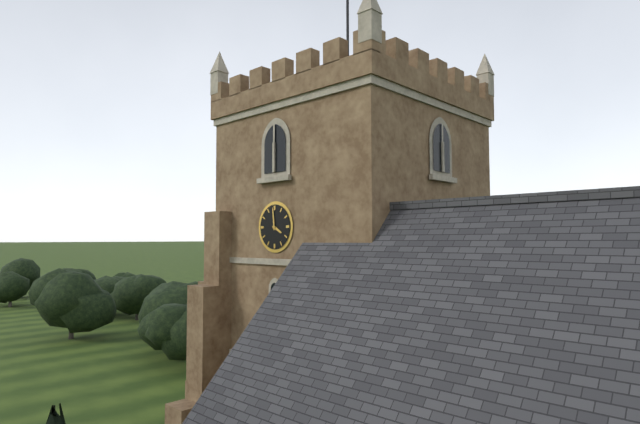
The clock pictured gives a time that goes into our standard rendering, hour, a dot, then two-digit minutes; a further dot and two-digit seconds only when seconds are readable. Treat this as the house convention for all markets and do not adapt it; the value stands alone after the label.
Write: 3.59
